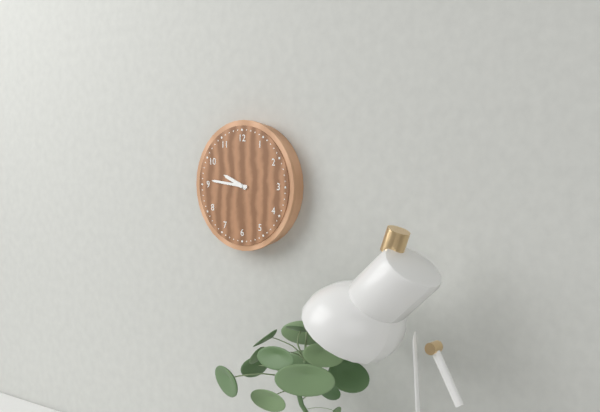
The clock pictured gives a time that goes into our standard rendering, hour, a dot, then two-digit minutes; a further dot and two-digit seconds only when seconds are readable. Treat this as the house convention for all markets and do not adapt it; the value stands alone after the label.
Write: 9.46
